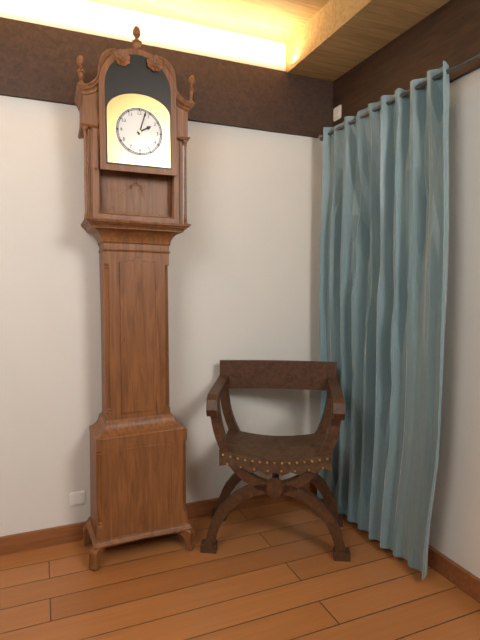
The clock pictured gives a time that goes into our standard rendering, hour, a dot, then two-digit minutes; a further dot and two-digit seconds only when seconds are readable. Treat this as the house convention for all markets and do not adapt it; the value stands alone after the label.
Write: 2.03
